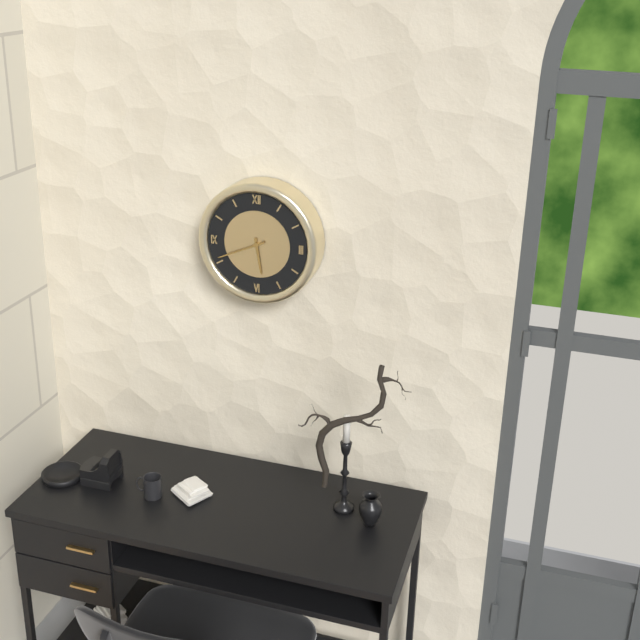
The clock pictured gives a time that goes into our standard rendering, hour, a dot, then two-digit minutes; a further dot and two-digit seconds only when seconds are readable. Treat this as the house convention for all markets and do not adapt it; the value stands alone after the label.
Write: 5.41
